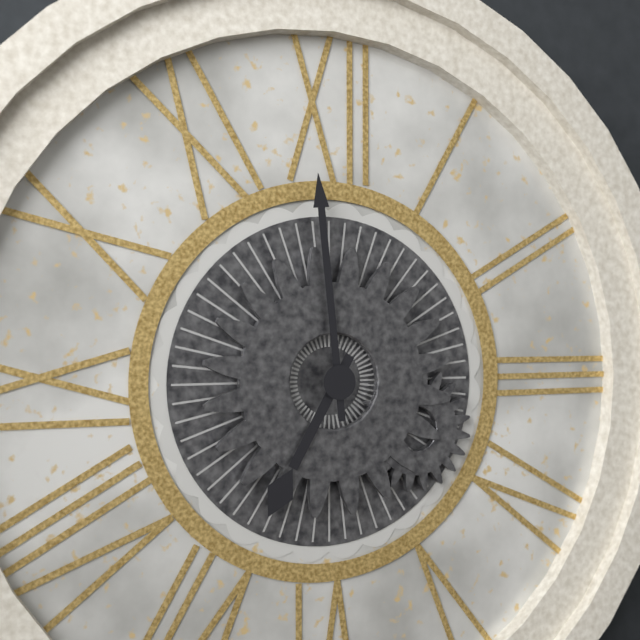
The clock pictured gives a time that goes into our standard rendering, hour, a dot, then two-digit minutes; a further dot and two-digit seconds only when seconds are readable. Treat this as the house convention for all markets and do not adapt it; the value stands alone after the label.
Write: 6.59
